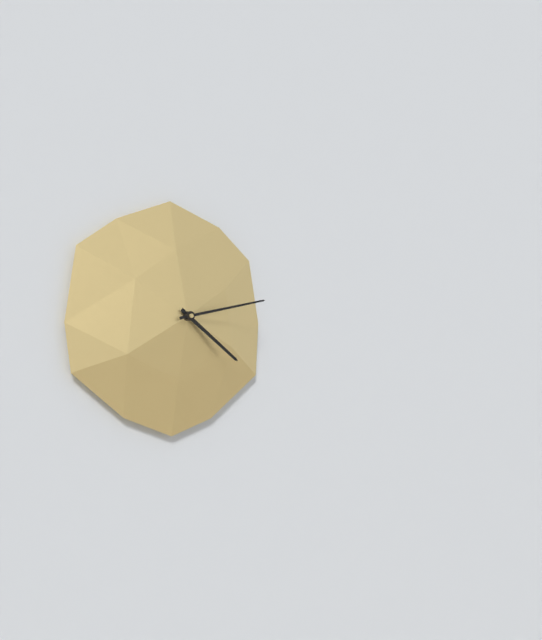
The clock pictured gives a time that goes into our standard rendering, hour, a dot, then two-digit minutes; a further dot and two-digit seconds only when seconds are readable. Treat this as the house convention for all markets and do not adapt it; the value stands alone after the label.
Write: 4.13
